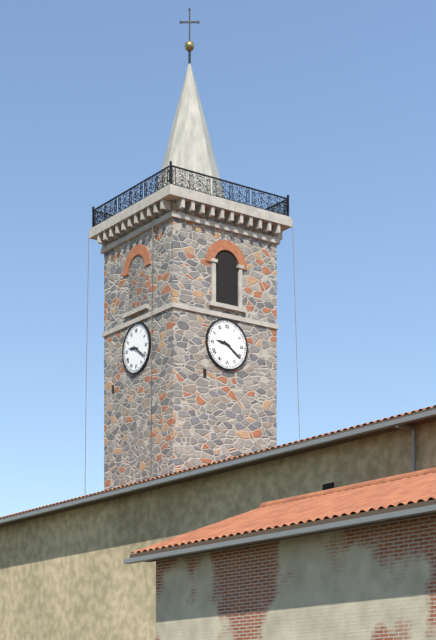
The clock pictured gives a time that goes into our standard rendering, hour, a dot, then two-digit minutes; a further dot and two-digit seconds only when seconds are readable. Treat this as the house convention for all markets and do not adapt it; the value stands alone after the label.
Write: 9.21
